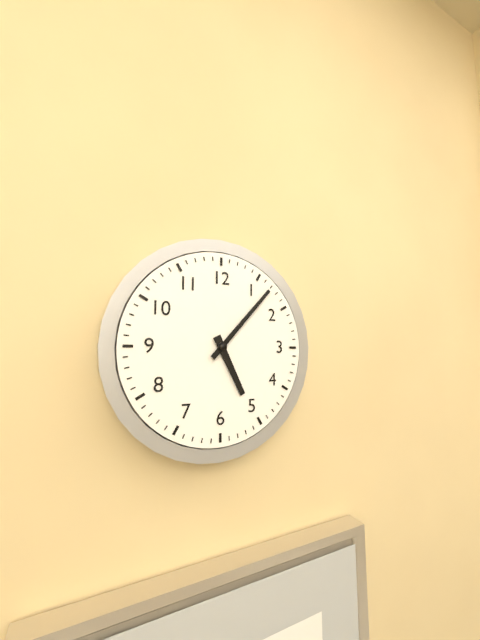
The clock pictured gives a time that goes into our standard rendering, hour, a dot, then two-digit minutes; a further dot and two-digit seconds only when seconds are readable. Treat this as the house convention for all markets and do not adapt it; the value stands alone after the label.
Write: 5.07
